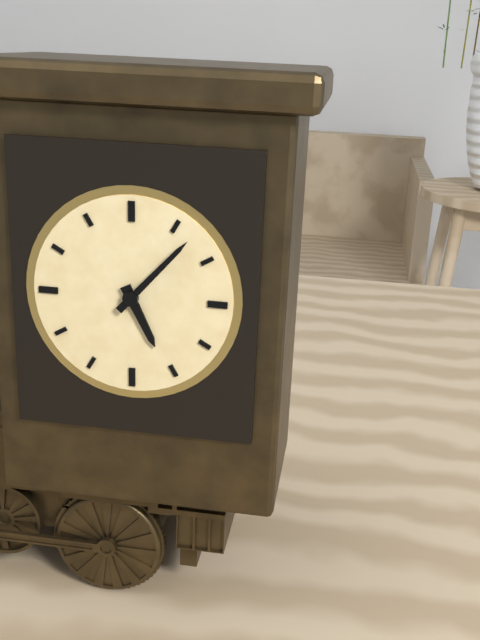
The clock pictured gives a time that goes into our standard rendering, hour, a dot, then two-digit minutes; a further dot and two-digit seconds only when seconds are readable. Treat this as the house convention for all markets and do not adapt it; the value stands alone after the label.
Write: 5.07
